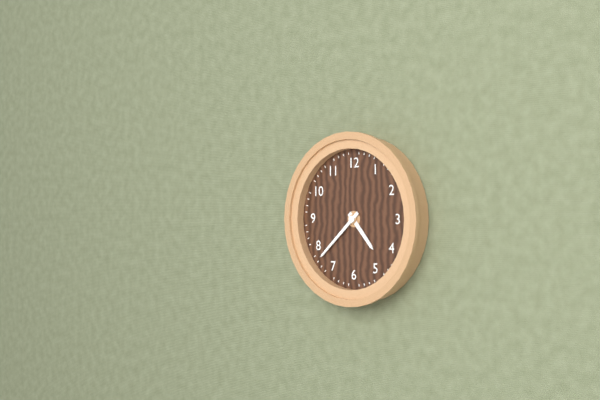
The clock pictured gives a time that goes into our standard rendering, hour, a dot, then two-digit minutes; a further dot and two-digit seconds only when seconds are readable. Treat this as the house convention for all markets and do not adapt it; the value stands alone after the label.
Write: 4.38
